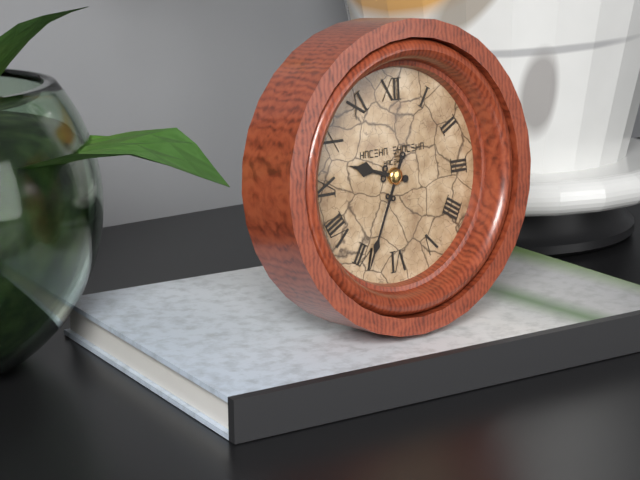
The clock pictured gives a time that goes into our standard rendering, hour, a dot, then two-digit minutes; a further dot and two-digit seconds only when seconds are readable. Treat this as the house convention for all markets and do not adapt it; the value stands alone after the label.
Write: 9.34
